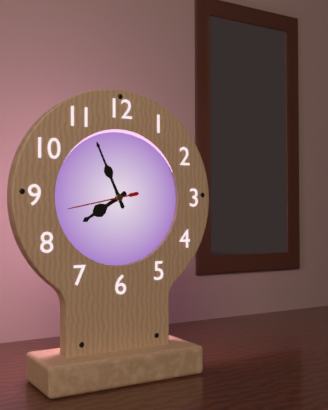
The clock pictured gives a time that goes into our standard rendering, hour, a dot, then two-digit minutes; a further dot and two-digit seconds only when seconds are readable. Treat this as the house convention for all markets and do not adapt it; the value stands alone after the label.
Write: 7.56.43
